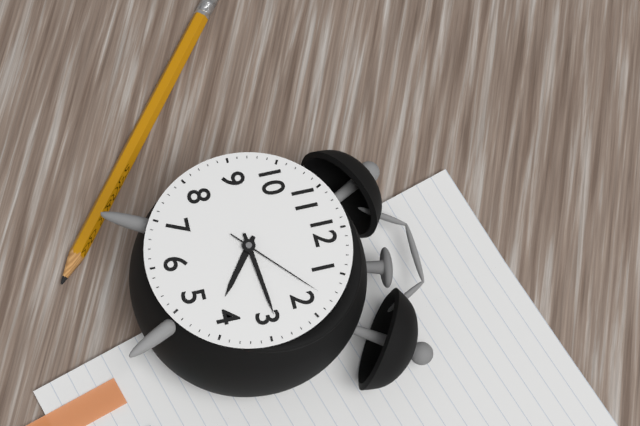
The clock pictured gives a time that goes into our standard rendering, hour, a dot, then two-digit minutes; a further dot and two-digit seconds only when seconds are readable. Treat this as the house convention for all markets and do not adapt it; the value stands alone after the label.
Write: 4.14.08
